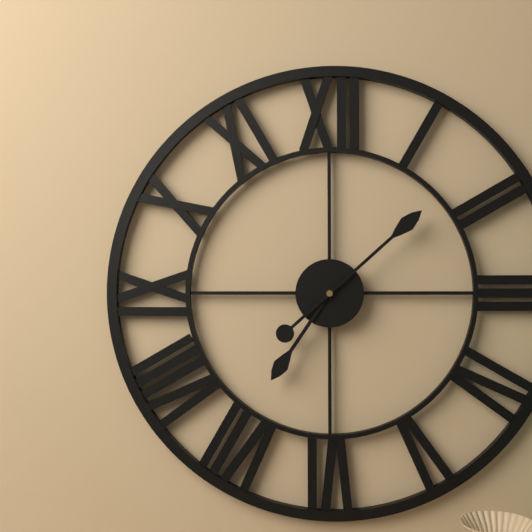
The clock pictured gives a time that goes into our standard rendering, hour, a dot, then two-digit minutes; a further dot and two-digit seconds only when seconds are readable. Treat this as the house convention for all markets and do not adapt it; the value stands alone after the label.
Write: 7.08
